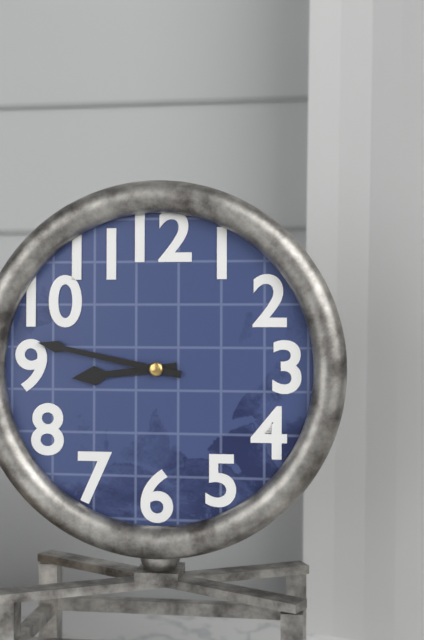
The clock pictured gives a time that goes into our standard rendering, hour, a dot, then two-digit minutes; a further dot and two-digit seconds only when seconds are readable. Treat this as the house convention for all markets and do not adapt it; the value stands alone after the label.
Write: 8.47
